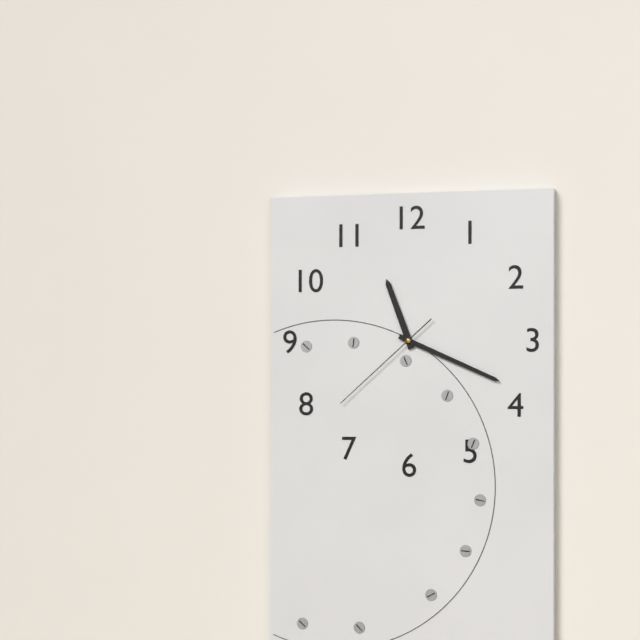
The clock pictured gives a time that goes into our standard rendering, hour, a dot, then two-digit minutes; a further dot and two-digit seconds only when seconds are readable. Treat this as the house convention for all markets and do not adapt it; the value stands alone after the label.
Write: 11.19.38
